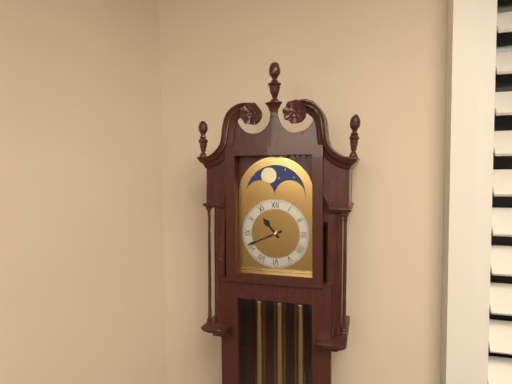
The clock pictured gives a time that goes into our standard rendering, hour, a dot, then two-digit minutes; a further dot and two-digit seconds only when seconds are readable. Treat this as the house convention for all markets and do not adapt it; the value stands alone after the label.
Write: 10.41
